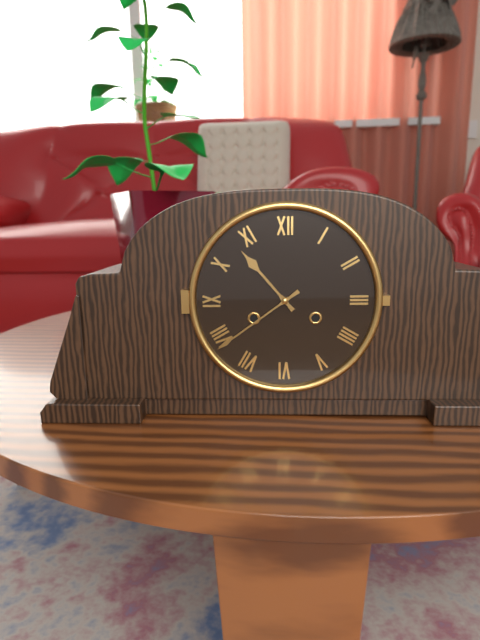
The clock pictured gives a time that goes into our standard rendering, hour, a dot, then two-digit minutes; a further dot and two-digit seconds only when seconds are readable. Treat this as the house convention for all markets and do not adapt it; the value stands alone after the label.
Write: 10.39
